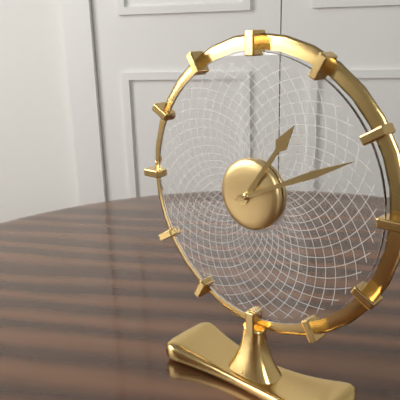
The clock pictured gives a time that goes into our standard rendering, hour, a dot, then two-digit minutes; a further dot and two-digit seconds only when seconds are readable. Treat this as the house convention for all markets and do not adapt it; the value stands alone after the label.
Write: 1.11
